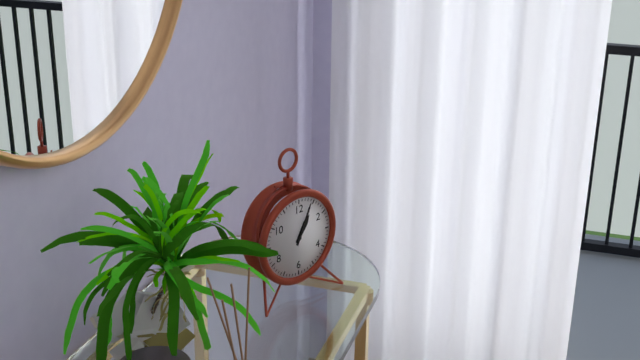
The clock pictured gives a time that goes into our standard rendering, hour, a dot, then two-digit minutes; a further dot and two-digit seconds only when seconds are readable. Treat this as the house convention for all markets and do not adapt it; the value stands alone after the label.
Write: 1.04
